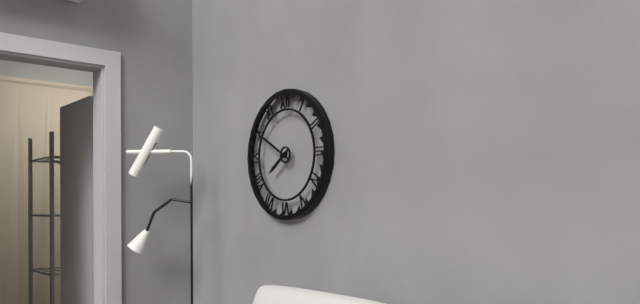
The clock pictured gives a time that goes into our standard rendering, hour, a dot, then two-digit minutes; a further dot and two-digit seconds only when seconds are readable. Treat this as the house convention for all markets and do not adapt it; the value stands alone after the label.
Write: 7.50
